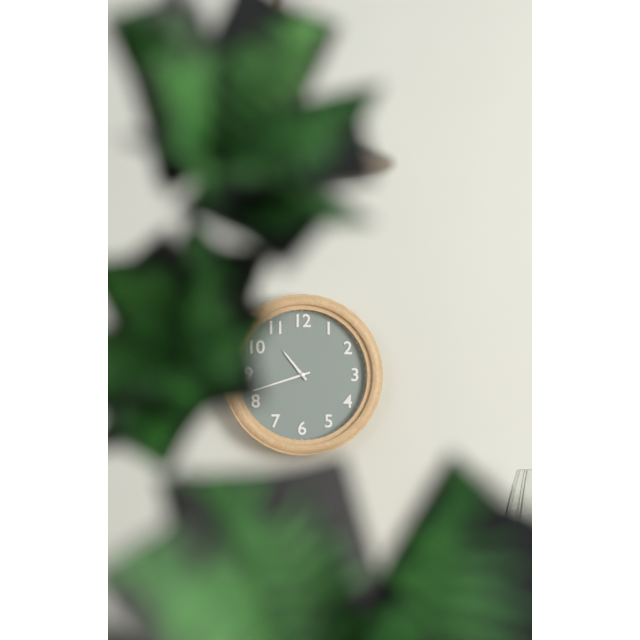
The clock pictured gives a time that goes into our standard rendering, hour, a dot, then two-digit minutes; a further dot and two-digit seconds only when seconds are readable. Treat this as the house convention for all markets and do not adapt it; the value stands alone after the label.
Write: 10.42
